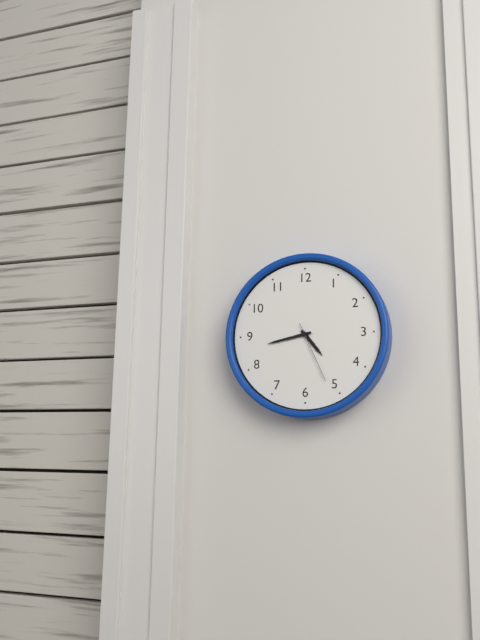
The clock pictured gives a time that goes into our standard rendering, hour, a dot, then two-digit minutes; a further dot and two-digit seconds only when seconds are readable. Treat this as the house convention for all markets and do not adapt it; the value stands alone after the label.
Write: 4.43.26
